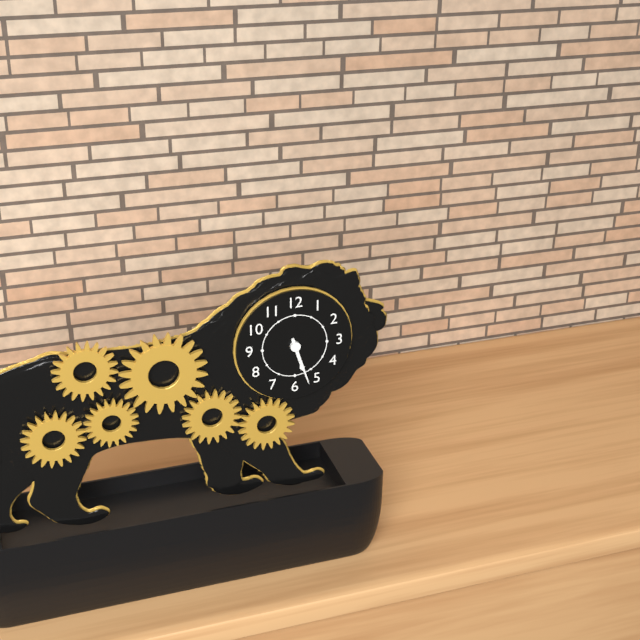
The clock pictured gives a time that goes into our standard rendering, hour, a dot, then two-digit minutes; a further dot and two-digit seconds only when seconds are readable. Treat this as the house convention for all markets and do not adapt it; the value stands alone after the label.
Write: 5.27
